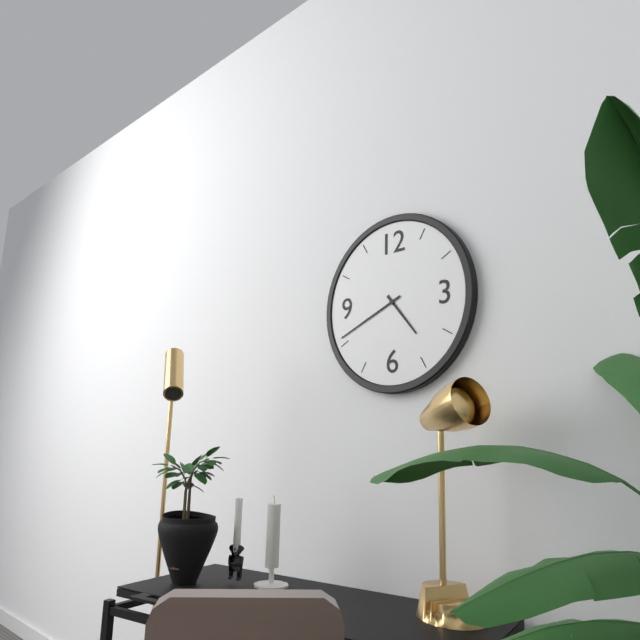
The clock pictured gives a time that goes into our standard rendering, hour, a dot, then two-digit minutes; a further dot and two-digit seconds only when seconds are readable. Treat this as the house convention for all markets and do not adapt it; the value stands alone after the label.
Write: 4.41
